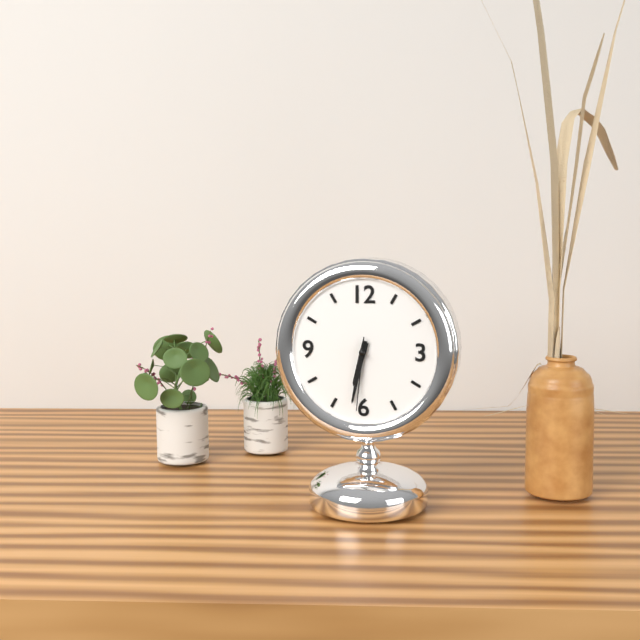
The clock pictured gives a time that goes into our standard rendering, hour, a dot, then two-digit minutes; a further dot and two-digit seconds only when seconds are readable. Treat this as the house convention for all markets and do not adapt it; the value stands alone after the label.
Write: 6.32.31
